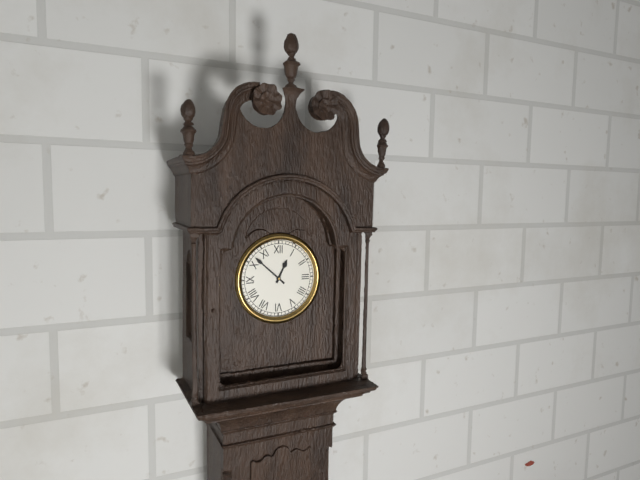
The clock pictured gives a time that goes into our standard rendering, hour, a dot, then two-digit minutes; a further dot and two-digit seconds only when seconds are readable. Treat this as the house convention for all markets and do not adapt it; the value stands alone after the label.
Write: 12.52
